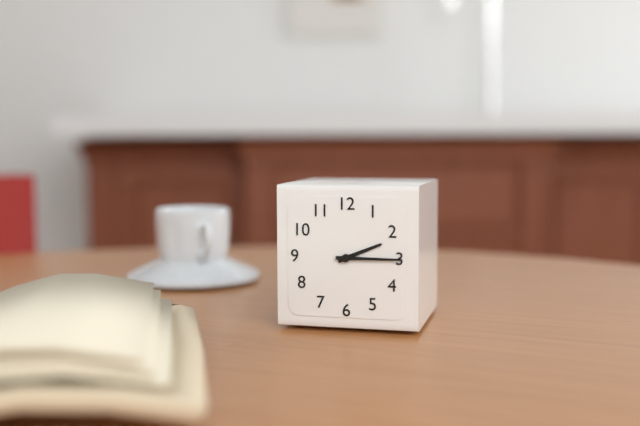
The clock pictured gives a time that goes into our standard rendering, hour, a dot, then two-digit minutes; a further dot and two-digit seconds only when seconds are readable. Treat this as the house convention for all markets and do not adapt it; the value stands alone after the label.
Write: 2.15
